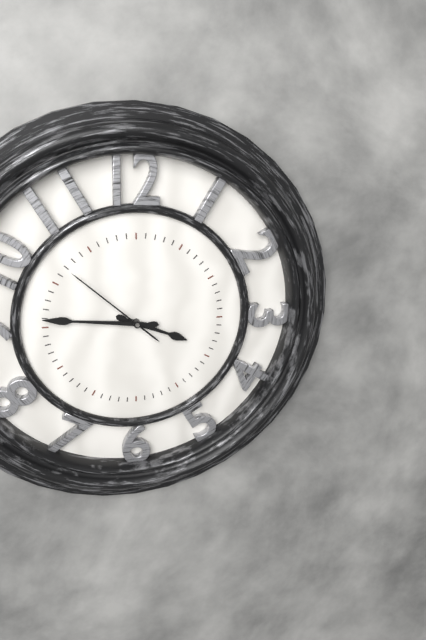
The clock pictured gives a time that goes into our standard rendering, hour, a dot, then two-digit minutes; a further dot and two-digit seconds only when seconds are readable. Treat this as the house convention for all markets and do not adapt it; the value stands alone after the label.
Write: 3.46.52
